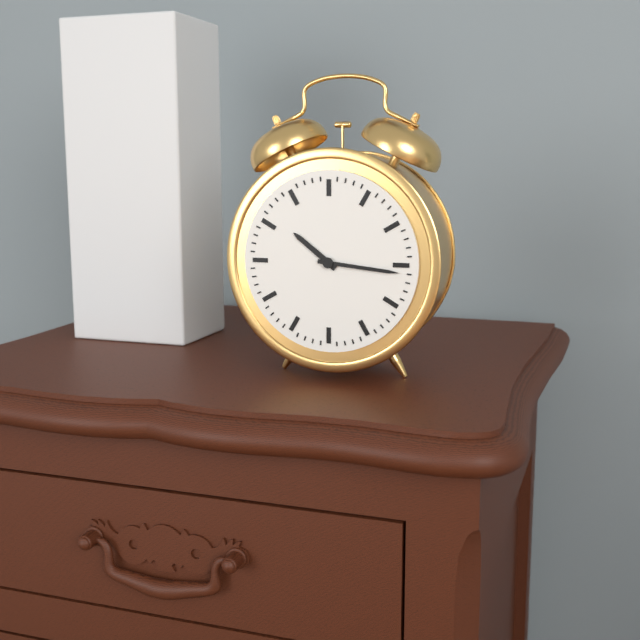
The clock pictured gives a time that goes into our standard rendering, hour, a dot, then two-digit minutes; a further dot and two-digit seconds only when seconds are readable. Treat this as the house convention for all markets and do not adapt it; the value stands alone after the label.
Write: 10.16
